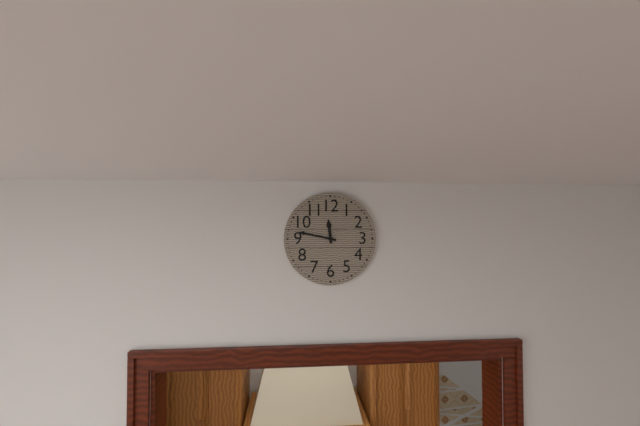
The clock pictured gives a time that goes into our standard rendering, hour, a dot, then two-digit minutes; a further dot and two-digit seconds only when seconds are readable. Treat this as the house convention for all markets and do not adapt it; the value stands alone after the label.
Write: 11.47
